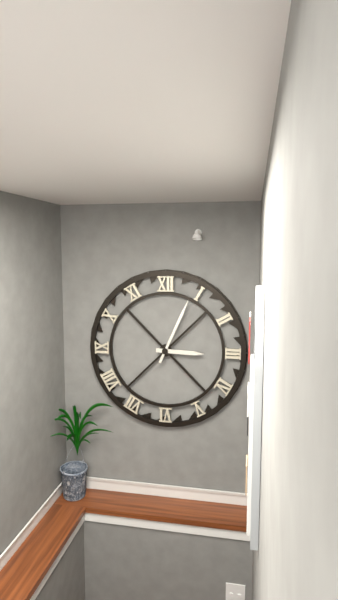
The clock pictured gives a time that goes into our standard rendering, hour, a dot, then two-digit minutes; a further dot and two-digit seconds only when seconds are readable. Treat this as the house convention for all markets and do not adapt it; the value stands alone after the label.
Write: 3.04
